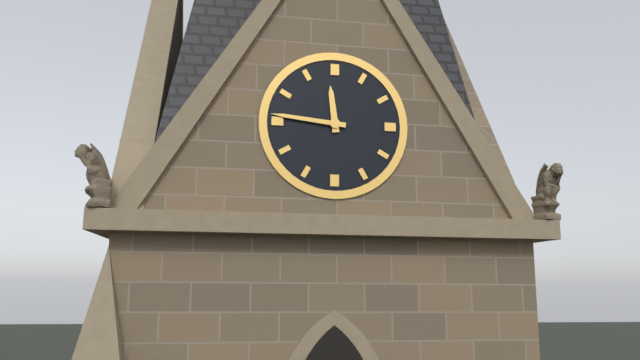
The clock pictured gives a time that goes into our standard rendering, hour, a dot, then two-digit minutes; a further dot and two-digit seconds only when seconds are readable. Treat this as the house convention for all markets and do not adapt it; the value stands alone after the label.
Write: 11.46
